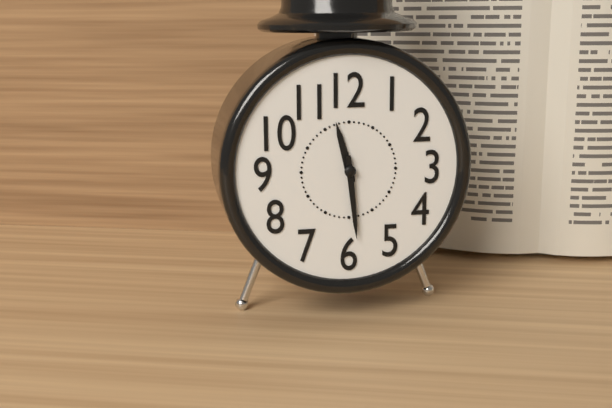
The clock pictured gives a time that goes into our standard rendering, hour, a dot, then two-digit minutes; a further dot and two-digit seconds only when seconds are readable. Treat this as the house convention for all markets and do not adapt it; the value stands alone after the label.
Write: 11.29
